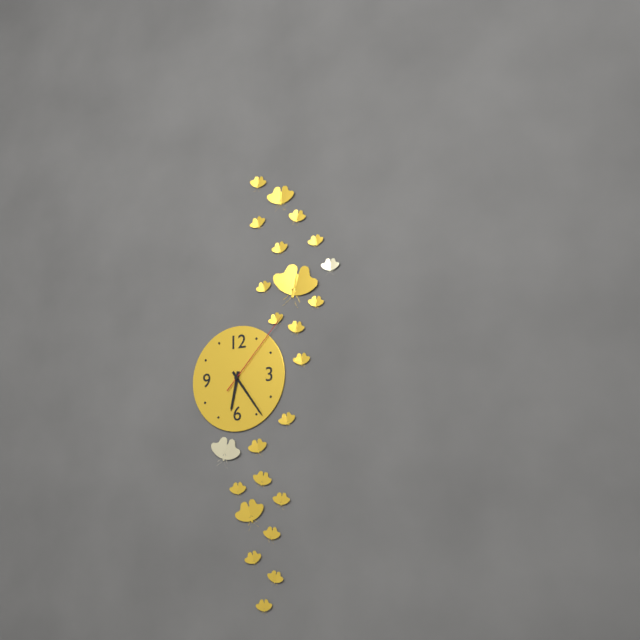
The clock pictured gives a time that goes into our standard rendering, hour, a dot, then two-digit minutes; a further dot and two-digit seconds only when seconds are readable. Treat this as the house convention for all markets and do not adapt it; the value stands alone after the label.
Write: 6.24.07
